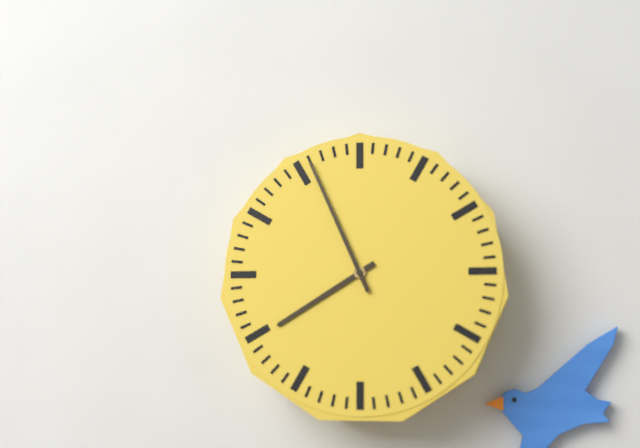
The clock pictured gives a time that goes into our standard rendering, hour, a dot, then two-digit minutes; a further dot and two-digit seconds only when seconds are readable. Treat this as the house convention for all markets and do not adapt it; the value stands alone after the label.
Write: 7.56
